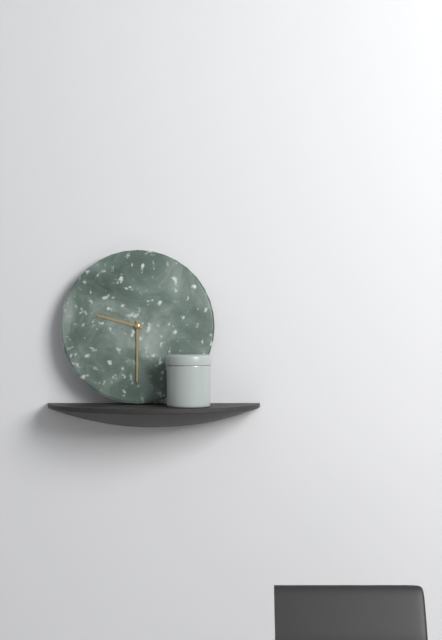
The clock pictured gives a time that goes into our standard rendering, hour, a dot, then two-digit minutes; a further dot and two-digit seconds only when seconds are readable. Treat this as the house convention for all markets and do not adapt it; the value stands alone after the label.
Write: 9.30
